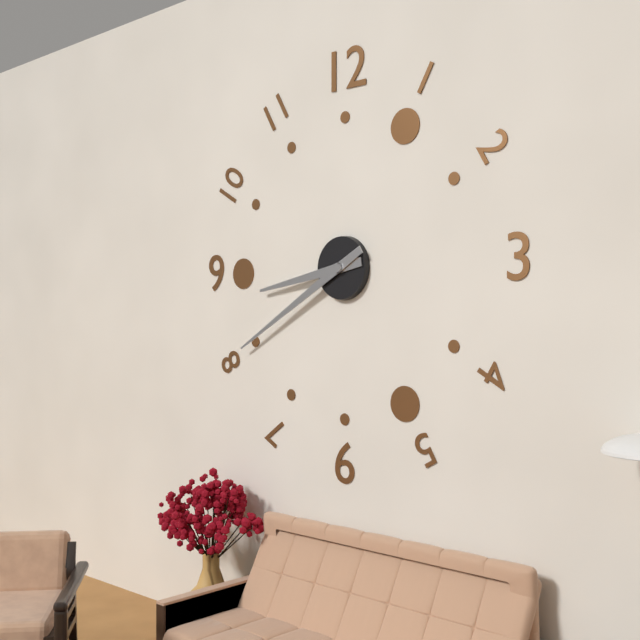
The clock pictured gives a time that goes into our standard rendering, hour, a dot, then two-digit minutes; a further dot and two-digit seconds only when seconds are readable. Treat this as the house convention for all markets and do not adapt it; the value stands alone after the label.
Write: 8.40
